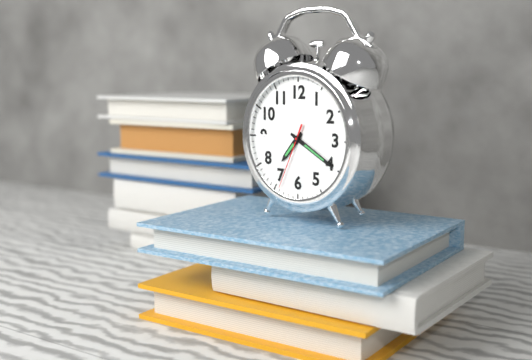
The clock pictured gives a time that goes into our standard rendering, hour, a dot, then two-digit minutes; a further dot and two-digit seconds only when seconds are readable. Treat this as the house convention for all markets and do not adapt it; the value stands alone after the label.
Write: 7.20.34
